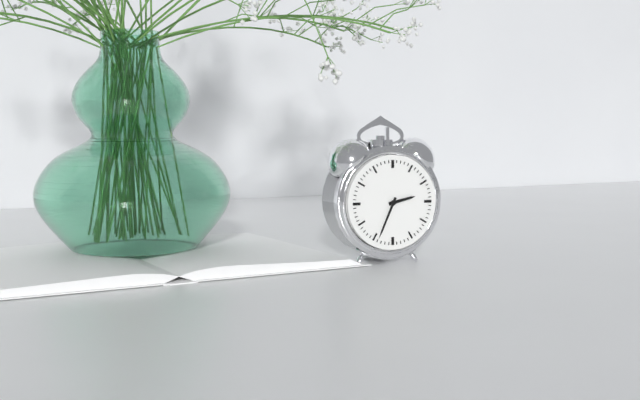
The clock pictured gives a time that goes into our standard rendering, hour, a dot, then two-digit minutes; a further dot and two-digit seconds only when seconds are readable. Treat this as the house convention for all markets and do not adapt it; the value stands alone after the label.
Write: 2.34
